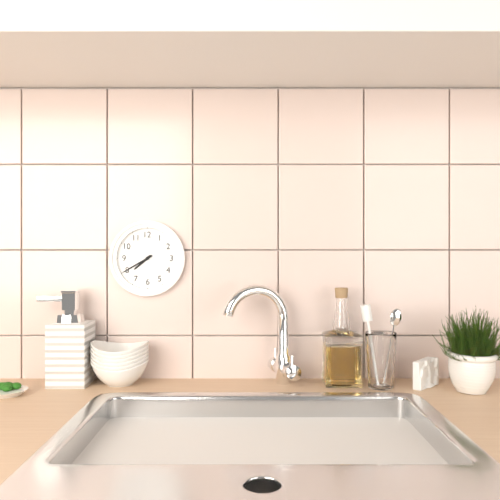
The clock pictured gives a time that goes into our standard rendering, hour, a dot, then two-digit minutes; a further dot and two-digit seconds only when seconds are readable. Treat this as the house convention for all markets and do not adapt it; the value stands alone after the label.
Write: 7.40
